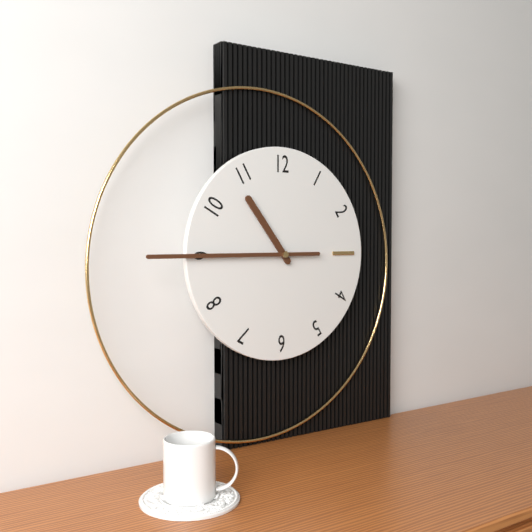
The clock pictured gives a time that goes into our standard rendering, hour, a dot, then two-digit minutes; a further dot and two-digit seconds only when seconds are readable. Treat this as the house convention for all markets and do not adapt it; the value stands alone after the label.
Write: 10.45
